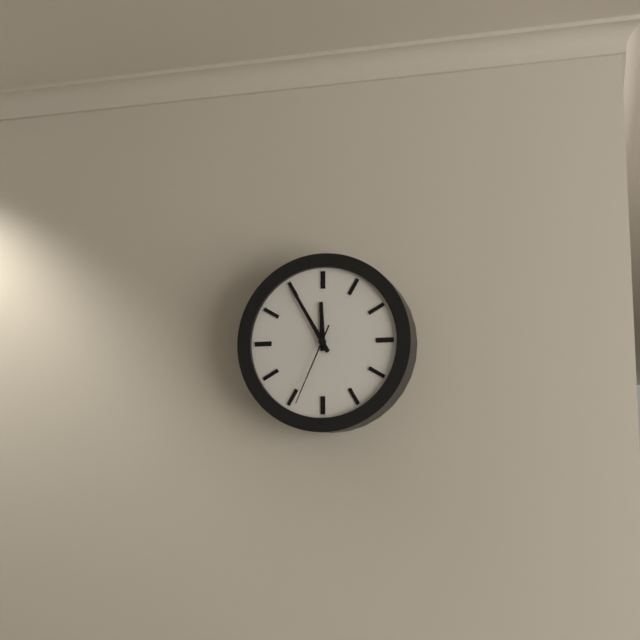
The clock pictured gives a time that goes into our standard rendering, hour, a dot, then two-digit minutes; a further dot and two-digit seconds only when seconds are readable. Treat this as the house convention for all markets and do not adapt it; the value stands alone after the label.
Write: 11.55.34
